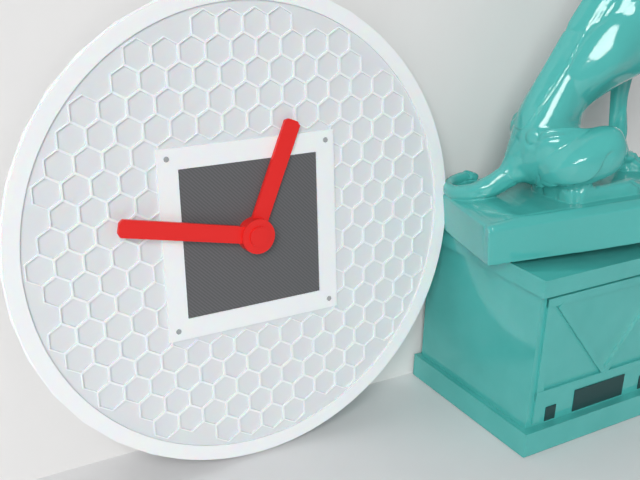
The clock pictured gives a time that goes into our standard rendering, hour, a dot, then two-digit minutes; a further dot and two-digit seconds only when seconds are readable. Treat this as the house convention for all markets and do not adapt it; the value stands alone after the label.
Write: 12.47
